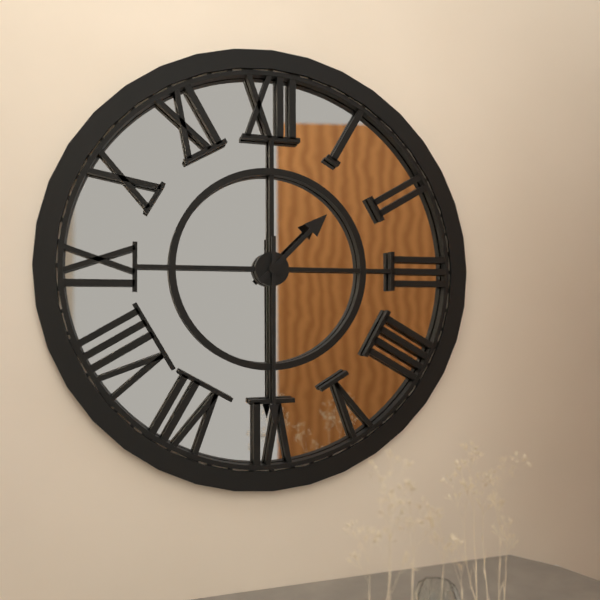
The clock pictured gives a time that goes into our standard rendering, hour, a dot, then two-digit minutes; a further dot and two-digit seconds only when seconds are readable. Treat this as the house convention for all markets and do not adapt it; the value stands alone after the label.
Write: 1.30
